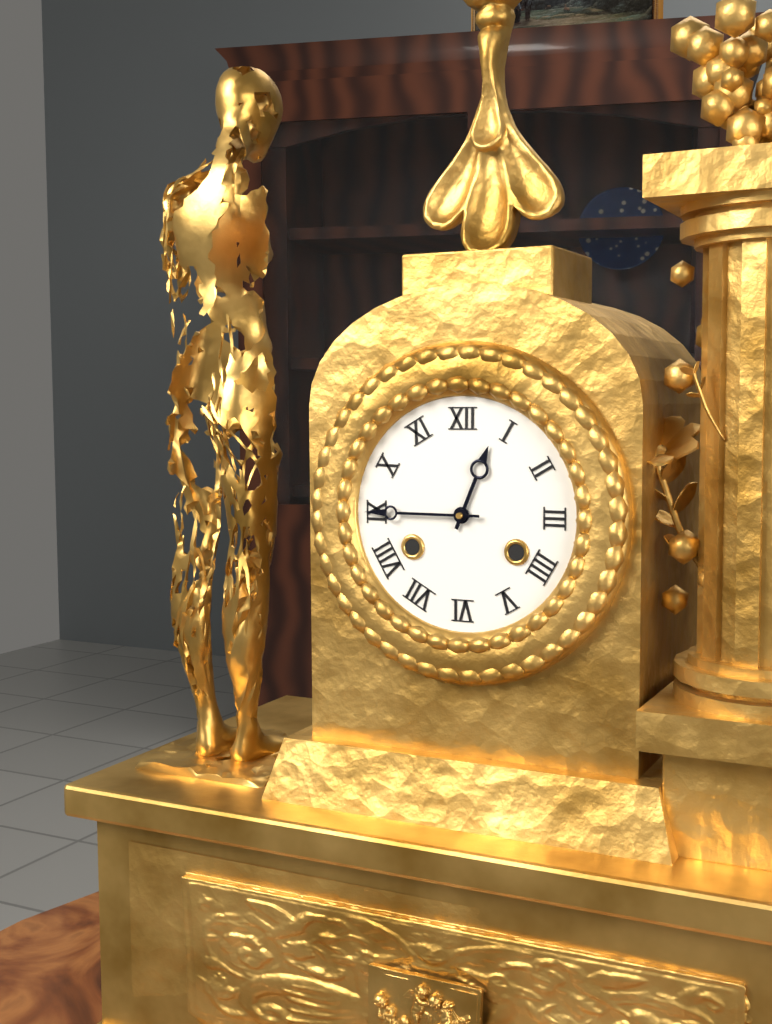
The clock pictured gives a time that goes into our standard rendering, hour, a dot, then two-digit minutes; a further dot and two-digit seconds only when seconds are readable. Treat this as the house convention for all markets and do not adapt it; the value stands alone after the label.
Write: 12.45
